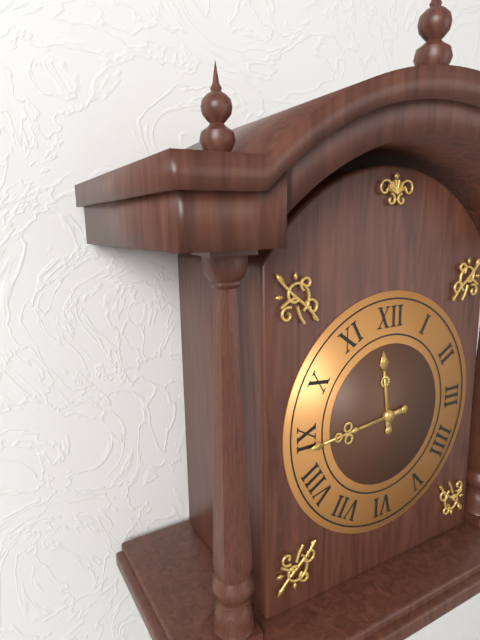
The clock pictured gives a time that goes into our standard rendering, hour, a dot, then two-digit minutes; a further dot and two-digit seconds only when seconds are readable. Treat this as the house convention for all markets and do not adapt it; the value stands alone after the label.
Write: 11.44
